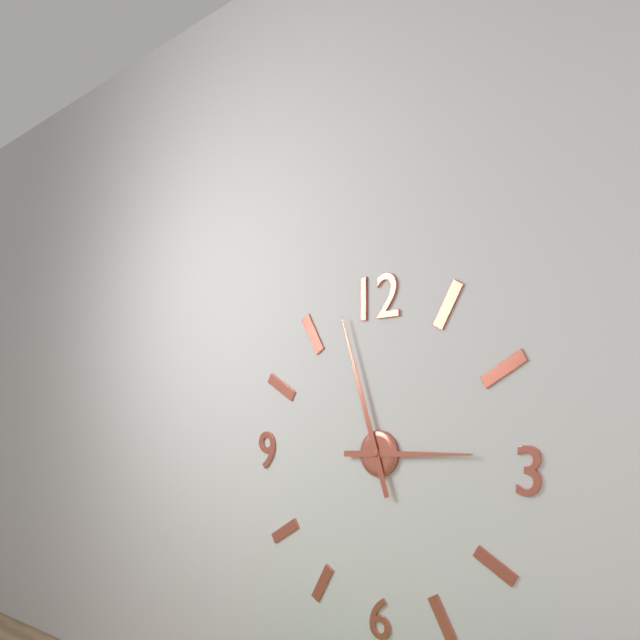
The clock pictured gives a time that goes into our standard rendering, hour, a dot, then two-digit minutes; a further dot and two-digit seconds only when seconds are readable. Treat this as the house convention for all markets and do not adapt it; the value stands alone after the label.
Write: 2.57
